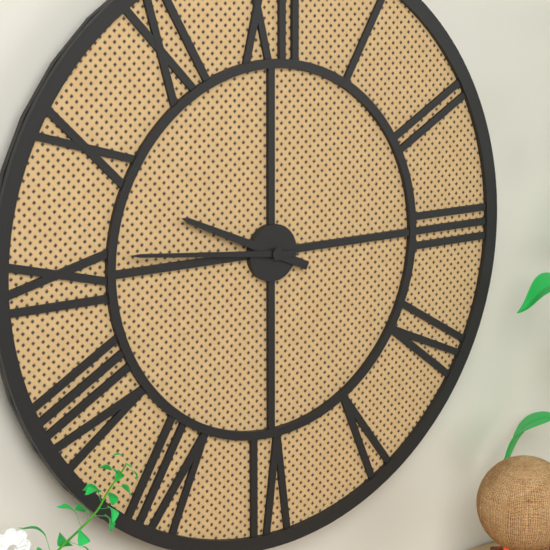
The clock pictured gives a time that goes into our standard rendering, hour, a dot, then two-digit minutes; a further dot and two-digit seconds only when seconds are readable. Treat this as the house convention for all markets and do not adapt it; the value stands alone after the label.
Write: 9.46
